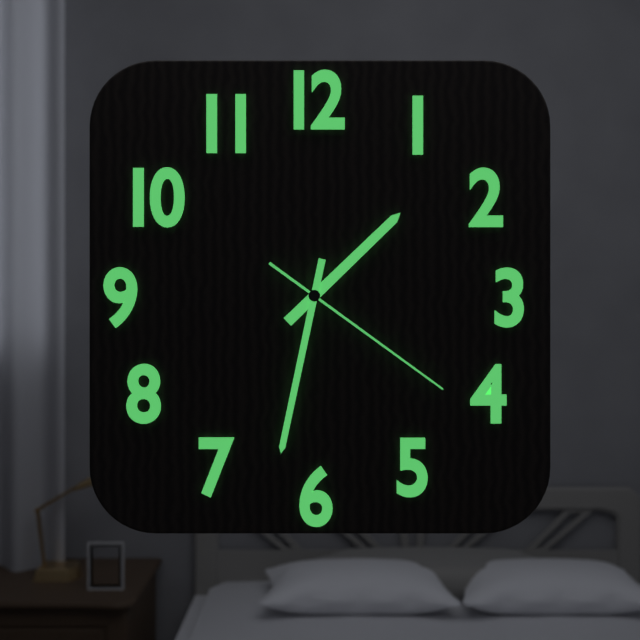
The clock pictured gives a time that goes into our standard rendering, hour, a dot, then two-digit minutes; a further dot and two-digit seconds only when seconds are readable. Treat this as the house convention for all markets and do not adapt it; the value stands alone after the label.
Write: 1.32.21
